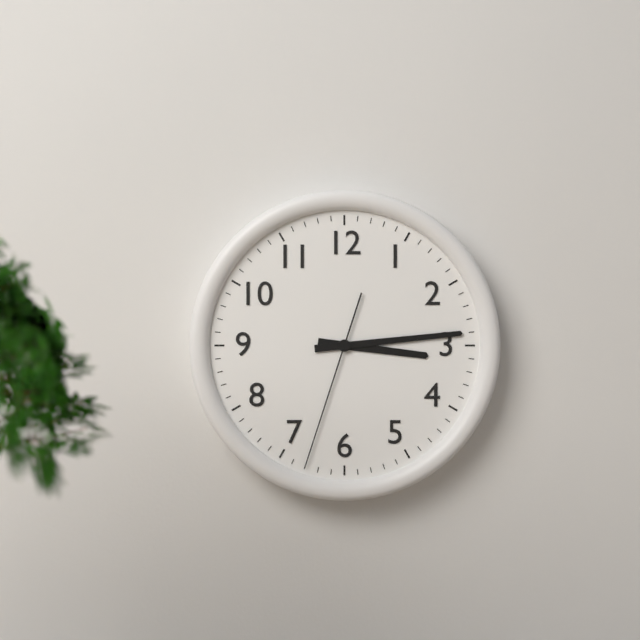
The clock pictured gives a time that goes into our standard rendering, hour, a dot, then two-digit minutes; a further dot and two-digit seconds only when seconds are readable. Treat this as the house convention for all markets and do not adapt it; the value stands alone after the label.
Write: 3.14.33
